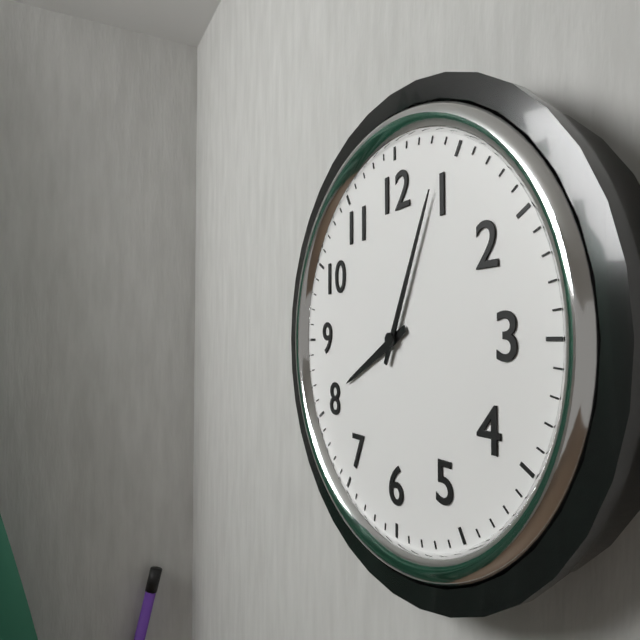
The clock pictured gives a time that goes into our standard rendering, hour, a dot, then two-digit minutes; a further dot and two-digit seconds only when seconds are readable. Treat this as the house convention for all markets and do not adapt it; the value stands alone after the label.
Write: 8.04
